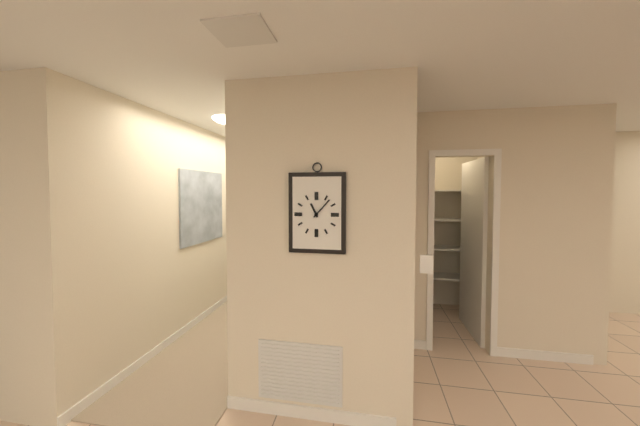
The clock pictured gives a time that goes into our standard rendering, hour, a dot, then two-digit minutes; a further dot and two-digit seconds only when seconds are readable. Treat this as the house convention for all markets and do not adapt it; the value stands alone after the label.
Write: 11.07
